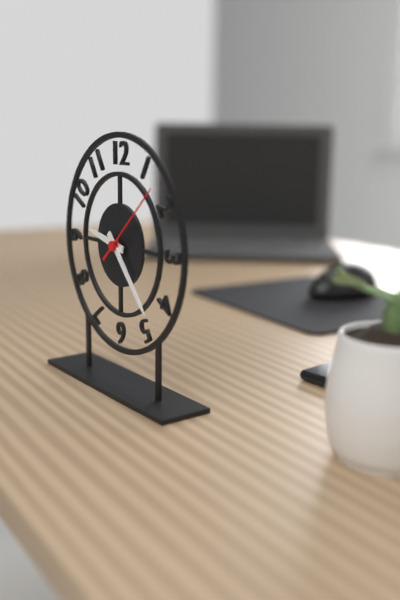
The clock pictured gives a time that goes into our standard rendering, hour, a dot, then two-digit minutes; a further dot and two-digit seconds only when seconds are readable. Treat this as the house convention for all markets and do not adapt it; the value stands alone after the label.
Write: 9.23.08
